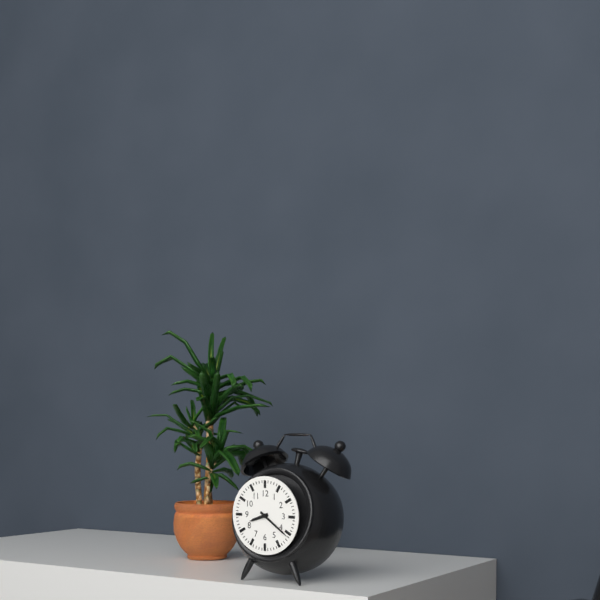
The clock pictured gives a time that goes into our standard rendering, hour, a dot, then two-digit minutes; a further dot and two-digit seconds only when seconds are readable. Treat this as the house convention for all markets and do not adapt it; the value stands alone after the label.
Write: 8.21
